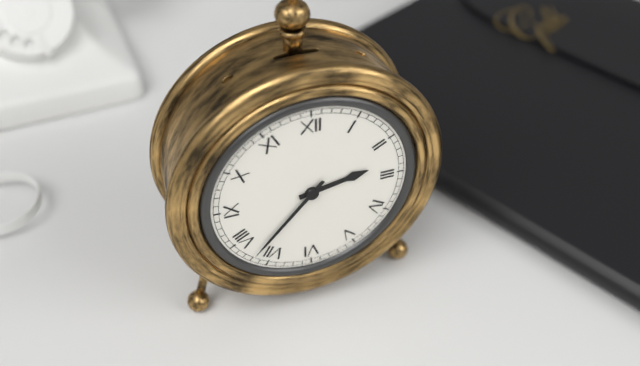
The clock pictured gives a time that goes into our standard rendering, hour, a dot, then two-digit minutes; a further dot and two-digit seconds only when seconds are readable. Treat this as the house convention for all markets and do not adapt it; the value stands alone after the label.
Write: 2.37
